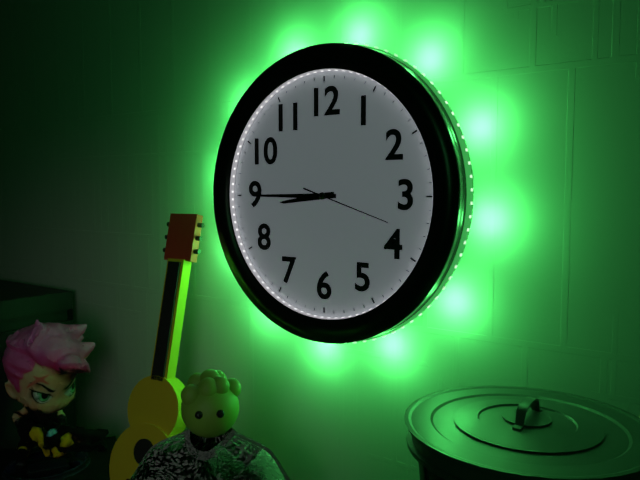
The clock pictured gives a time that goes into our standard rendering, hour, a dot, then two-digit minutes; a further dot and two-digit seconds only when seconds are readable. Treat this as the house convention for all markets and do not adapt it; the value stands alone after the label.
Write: 8.45.18
